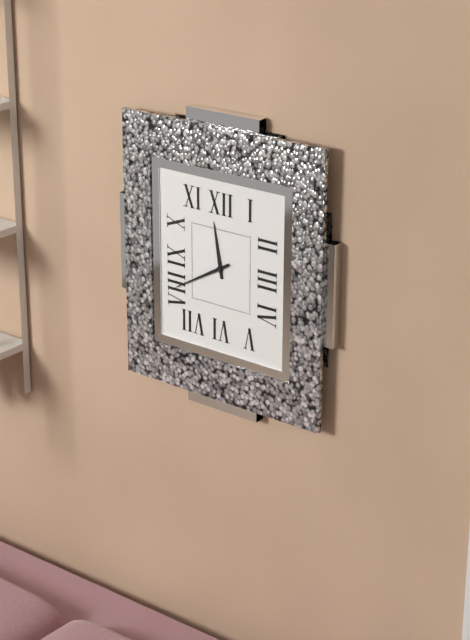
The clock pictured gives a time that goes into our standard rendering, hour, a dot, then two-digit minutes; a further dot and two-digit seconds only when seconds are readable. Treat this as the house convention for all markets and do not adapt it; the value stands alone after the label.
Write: 11.40
